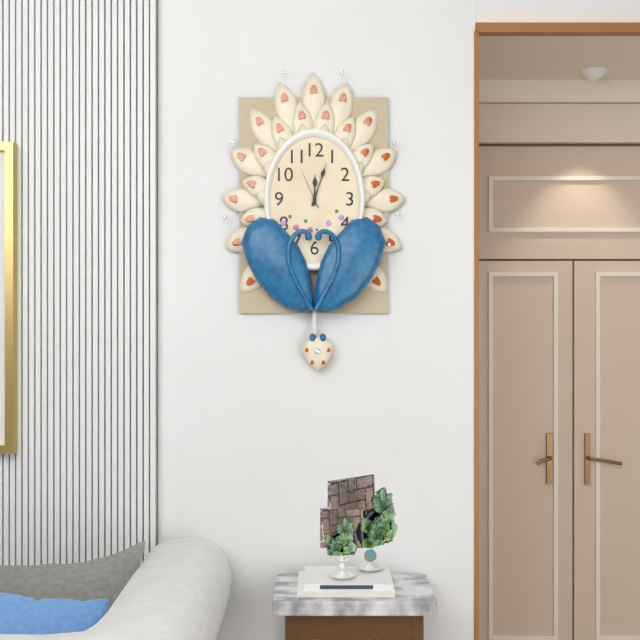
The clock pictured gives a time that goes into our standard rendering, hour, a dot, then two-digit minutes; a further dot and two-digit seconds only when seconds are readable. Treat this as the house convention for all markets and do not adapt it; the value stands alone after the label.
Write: 12.03
